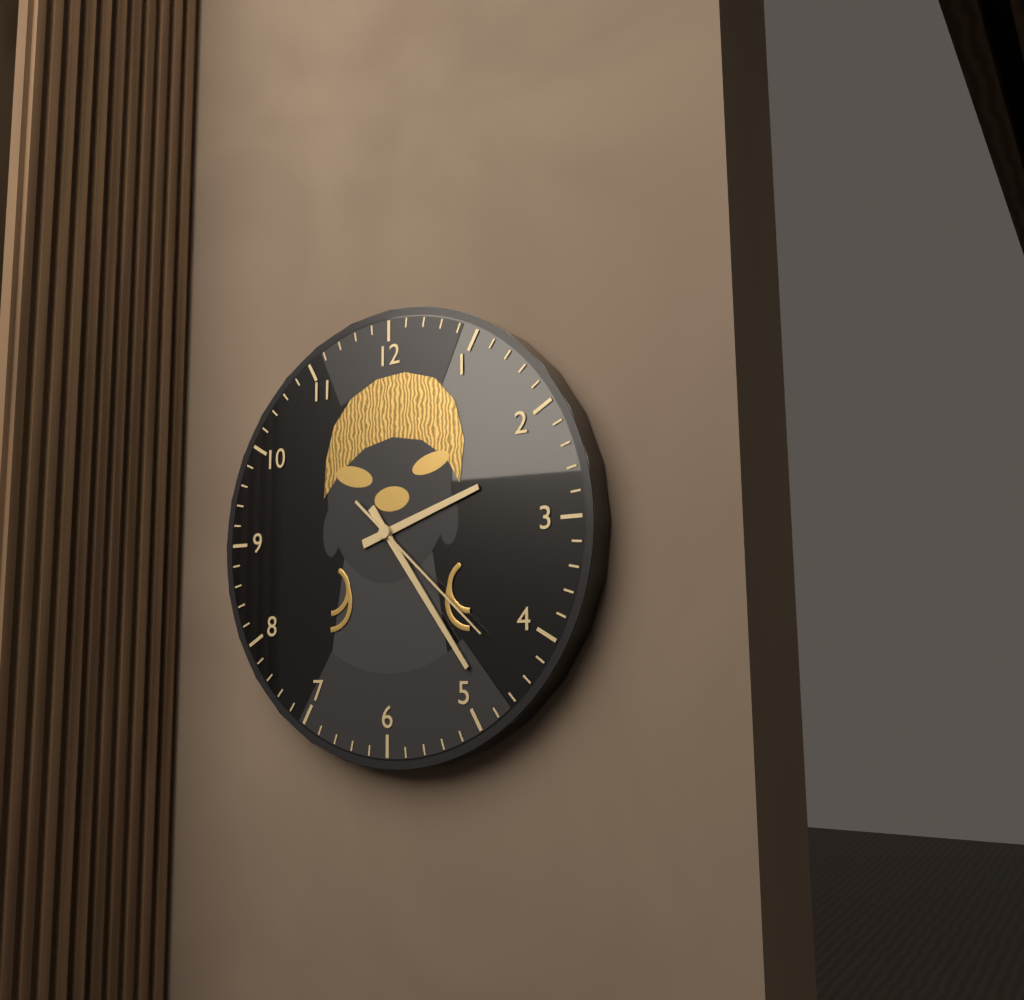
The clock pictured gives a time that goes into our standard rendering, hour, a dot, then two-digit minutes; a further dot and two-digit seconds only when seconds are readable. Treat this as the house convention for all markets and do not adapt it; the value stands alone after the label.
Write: 2.24.22
